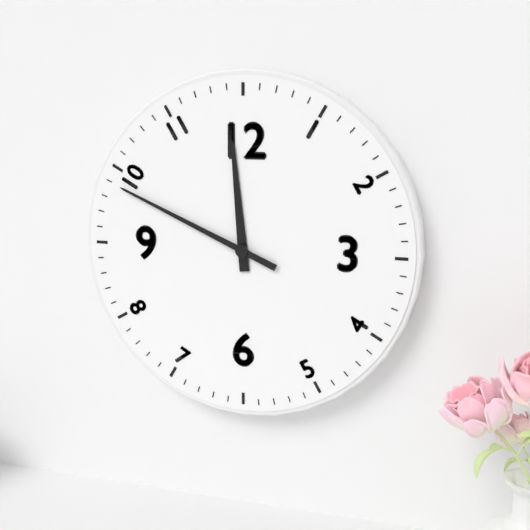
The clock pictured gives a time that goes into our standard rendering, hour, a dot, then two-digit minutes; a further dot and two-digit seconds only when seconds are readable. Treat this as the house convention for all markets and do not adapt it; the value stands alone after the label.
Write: 11.49
